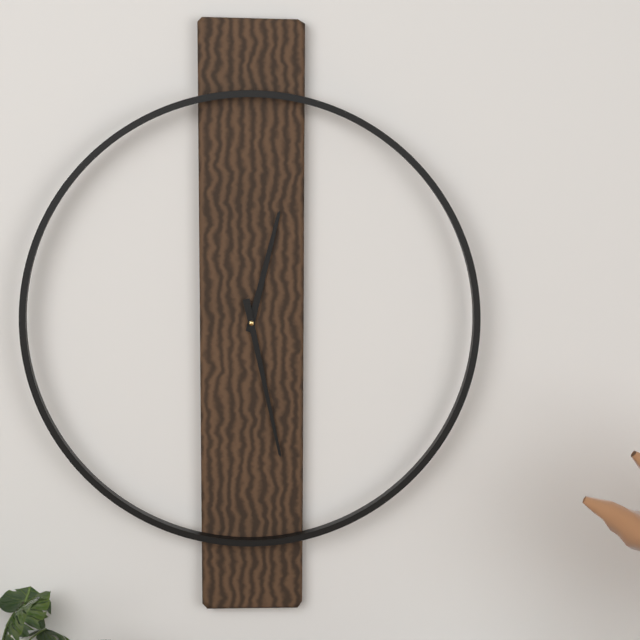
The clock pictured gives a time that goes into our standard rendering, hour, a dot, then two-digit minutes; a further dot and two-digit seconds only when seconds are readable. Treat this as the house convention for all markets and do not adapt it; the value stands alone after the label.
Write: 12.28
